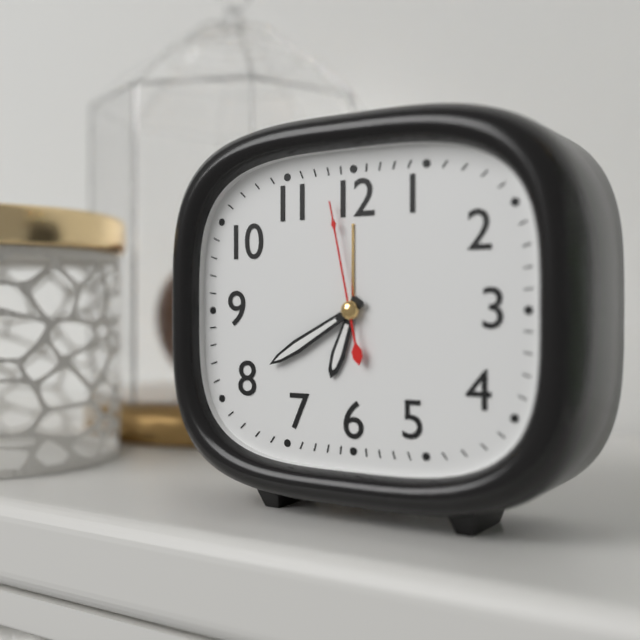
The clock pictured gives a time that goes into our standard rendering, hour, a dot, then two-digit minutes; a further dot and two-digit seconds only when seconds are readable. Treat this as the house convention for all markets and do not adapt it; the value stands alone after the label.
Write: 6.40.58
